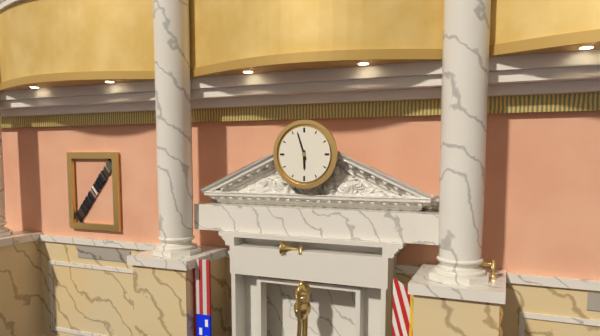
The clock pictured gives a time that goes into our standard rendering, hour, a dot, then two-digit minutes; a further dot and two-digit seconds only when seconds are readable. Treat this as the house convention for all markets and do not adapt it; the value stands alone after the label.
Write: 5.57
